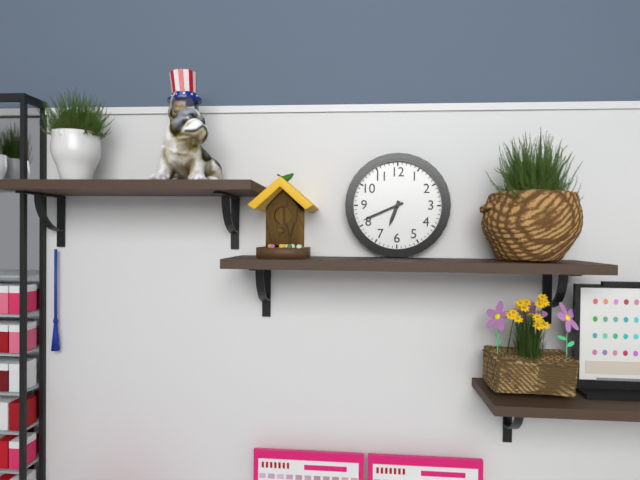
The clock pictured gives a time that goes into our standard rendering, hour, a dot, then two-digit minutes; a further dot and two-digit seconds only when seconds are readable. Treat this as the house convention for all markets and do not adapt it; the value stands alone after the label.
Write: 6.41
